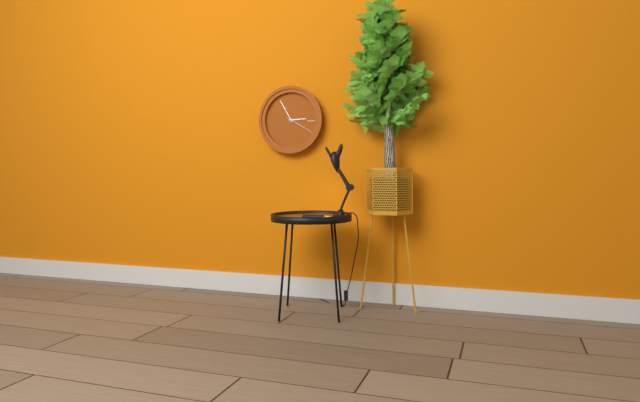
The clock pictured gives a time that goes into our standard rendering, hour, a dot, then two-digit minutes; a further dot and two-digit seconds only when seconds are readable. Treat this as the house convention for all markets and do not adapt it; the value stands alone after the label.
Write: 2.55
